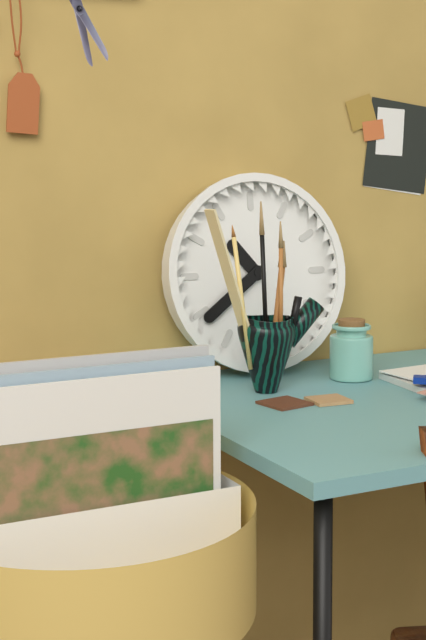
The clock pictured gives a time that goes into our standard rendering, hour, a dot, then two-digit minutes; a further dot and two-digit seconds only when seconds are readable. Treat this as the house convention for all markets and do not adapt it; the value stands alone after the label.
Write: 10.39
